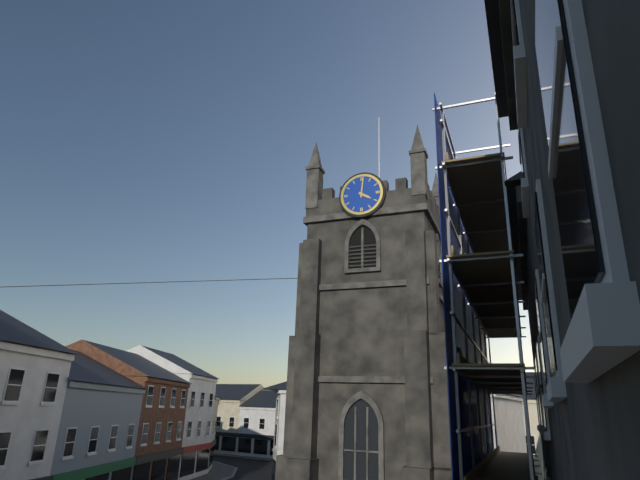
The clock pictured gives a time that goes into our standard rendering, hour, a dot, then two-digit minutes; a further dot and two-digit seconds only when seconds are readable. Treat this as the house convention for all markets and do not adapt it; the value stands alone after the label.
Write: 4.01
